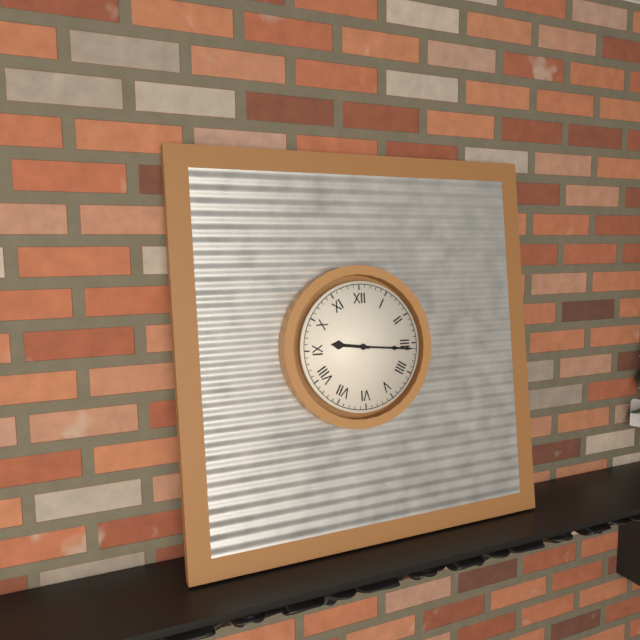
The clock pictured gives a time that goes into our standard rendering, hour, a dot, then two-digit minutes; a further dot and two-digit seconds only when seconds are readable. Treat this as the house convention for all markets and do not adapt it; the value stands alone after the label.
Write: 9.16
